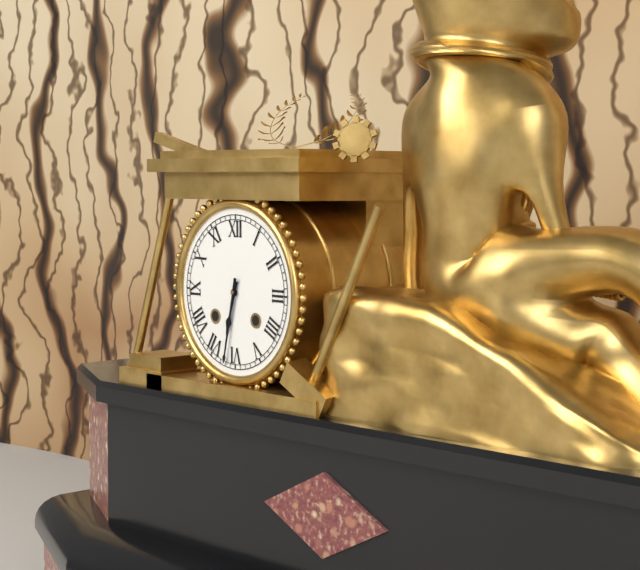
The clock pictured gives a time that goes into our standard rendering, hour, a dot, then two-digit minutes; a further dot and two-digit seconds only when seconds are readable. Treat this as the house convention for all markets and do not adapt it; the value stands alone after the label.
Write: 6.32
